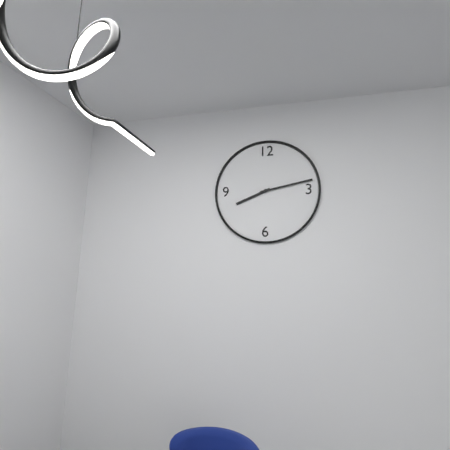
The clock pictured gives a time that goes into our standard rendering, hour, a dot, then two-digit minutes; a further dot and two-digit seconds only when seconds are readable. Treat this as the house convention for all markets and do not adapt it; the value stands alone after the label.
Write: 8.13
